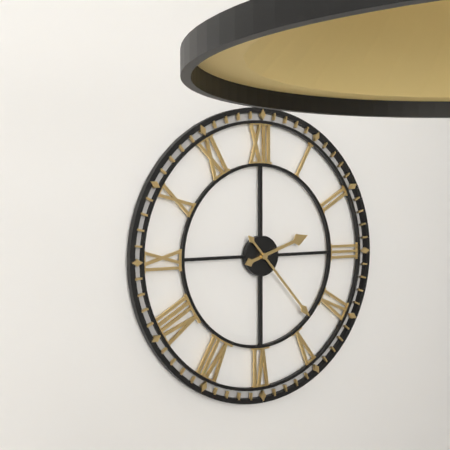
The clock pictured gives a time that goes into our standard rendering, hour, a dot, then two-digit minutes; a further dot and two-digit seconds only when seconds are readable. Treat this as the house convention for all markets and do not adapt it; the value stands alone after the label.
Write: 2.23
